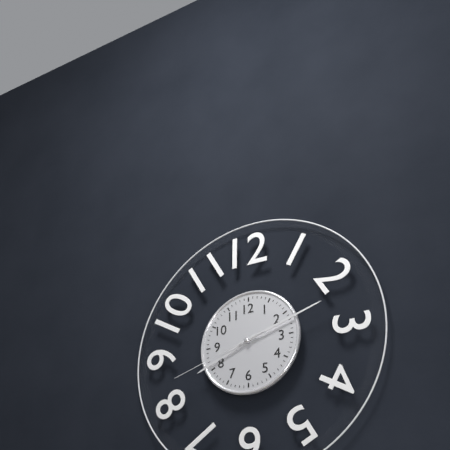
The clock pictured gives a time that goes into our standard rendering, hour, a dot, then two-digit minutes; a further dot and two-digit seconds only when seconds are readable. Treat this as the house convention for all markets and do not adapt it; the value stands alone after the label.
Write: 8.12.42
